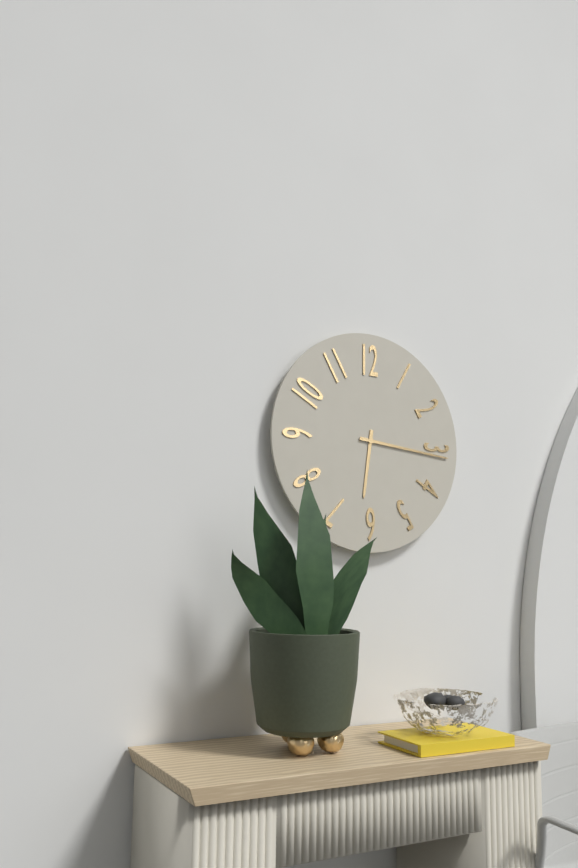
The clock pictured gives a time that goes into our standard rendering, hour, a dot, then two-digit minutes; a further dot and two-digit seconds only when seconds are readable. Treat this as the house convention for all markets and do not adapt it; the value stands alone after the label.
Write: 6.16
